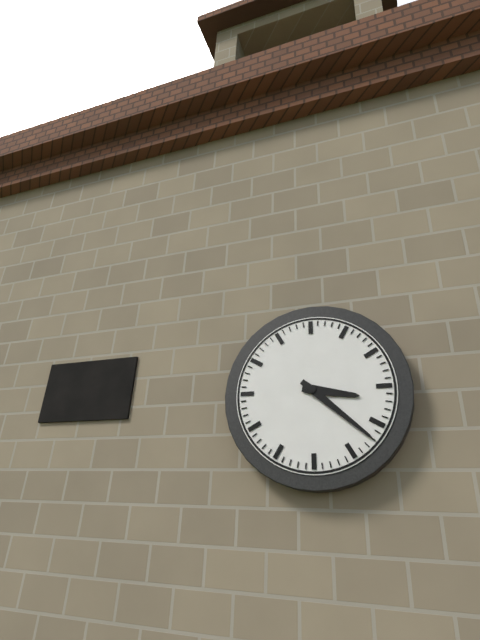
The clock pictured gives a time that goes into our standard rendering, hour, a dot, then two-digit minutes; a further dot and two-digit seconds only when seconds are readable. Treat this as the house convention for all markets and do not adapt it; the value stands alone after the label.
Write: 3.22
